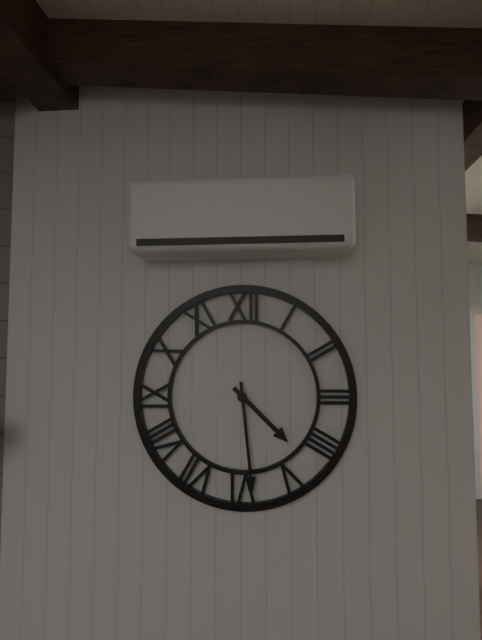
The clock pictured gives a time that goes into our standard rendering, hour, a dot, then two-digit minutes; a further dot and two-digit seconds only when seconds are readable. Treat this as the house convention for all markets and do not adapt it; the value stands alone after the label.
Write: 4.29
